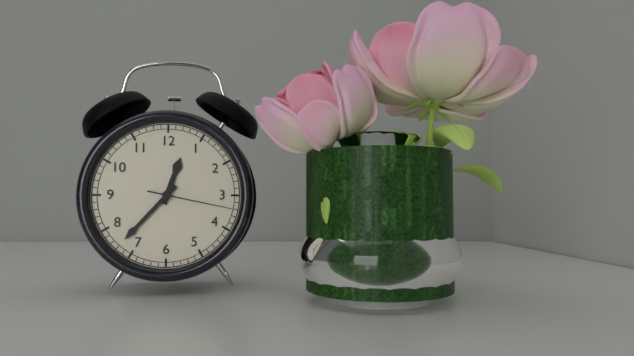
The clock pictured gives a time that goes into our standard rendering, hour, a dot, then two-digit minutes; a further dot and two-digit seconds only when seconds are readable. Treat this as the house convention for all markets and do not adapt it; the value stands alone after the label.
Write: 12.37.17
